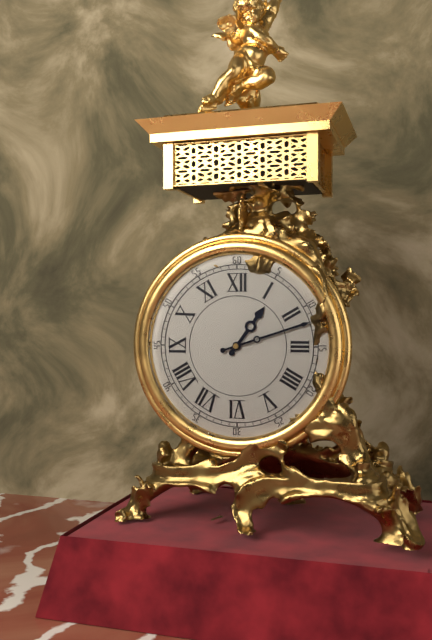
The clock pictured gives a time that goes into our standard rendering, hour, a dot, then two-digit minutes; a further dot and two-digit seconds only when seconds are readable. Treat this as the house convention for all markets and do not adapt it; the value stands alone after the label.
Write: 1.12
